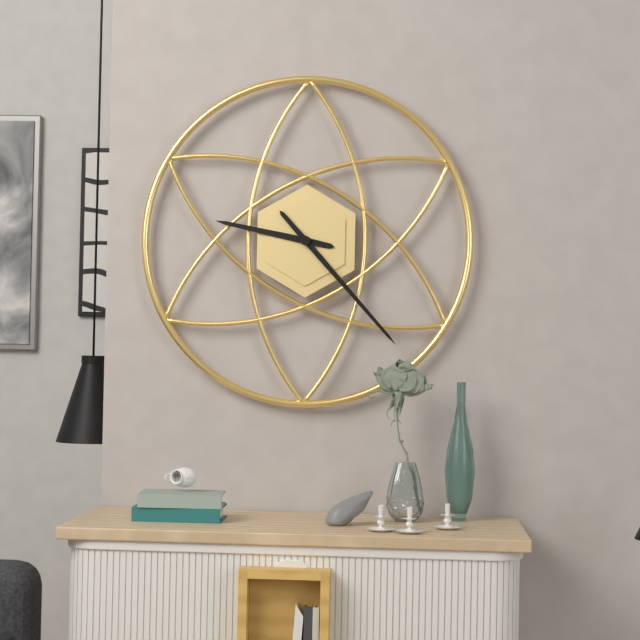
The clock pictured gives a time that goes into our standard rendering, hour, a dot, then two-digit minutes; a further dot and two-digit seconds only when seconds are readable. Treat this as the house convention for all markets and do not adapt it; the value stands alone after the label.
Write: 9.23
